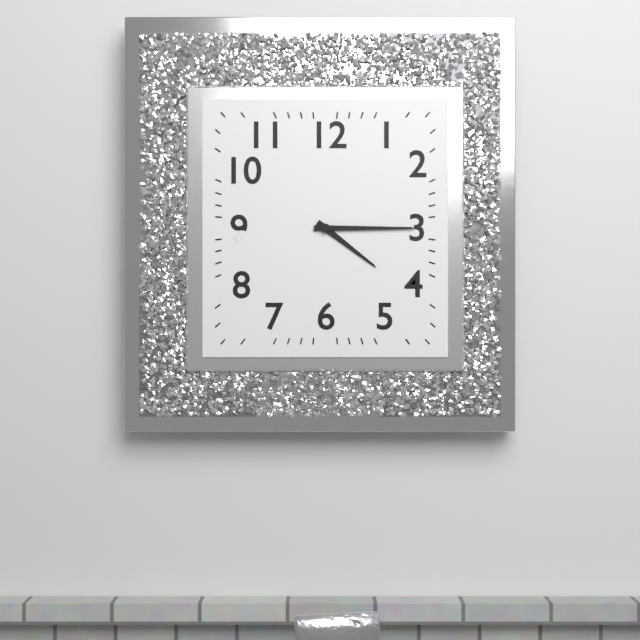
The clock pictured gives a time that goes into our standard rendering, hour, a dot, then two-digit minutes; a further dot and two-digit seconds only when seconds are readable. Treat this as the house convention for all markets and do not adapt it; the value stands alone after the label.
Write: 4.15
